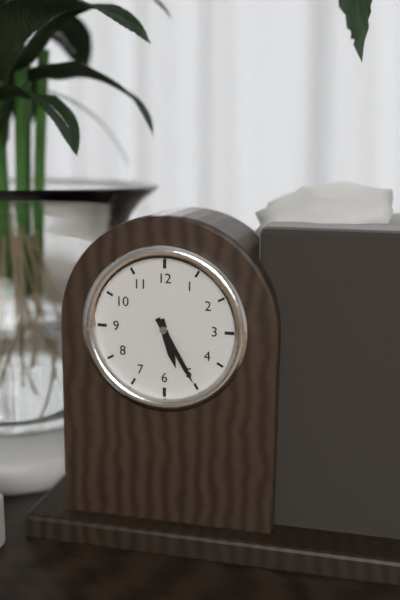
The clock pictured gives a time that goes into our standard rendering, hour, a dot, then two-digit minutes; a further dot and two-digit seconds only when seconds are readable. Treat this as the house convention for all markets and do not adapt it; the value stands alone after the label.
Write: 5.25
